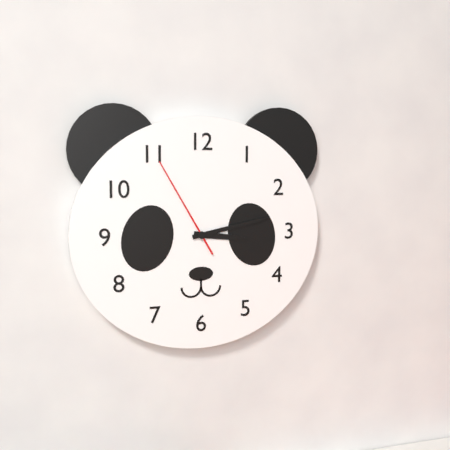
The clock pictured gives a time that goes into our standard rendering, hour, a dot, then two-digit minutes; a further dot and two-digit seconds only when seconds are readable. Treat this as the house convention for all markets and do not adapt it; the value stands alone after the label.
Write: 3.13.55
